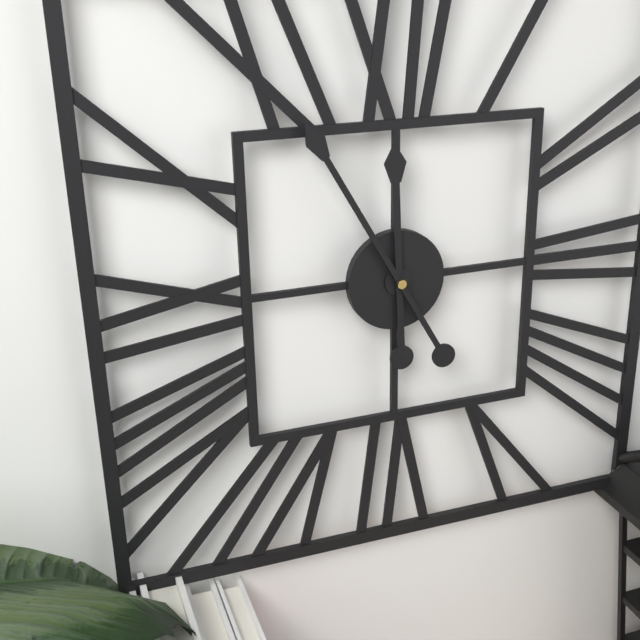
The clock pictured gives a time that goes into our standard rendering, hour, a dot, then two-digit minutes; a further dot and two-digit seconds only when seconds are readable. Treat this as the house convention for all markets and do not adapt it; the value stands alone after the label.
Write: 11.55
